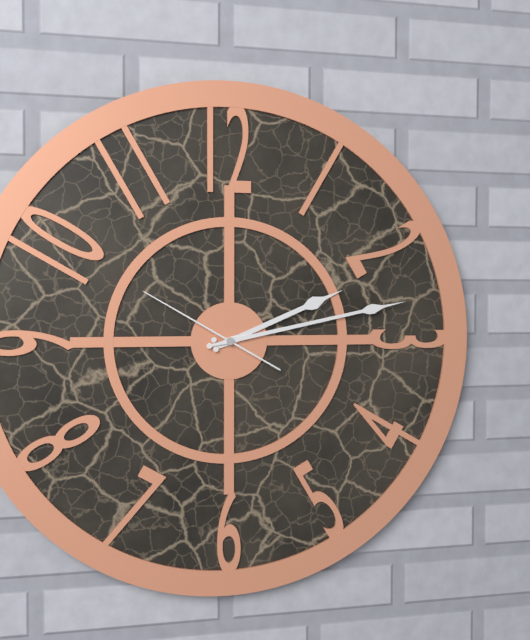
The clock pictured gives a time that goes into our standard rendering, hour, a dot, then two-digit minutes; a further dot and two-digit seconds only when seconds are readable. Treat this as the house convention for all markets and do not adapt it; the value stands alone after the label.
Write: 2.13.50
